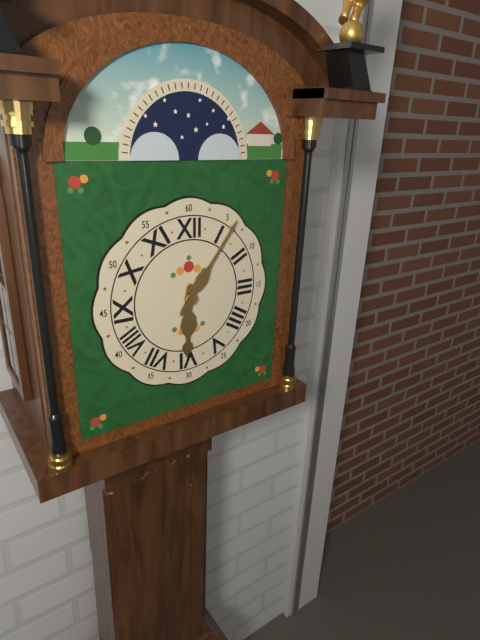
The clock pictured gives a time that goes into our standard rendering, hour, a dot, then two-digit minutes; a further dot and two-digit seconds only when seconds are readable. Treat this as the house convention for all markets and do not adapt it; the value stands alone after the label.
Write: 6.06
